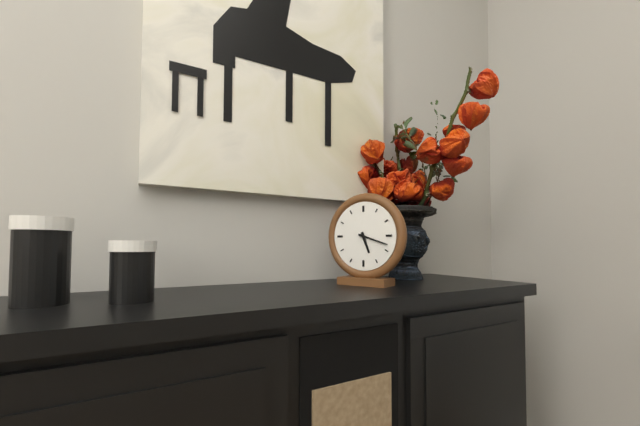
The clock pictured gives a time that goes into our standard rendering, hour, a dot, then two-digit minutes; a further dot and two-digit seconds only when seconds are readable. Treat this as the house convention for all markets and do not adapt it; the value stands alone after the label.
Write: 5.18
